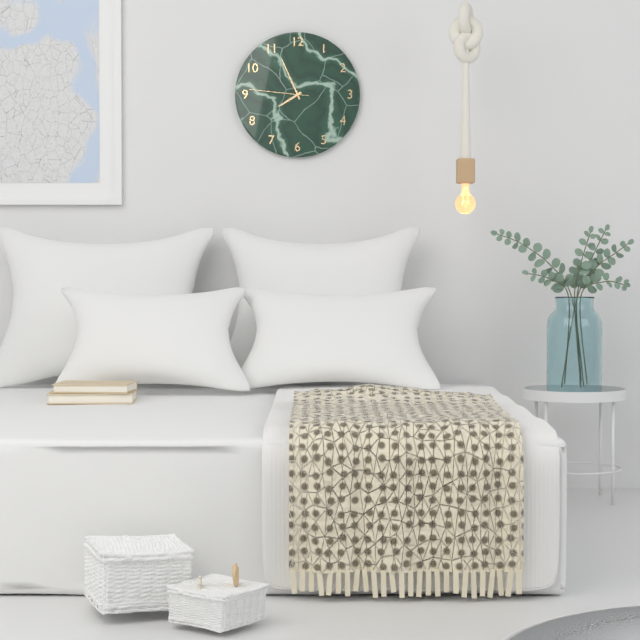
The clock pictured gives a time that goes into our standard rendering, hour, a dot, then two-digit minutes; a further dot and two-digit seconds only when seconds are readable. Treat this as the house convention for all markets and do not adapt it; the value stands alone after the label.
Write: 7.56.46
